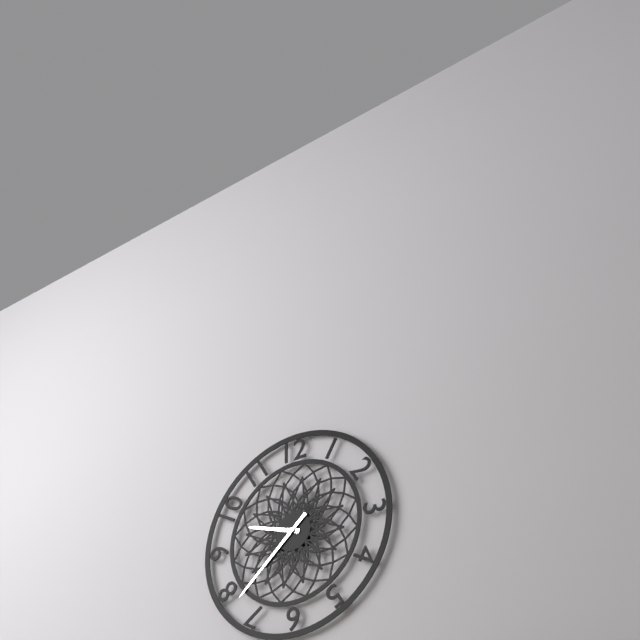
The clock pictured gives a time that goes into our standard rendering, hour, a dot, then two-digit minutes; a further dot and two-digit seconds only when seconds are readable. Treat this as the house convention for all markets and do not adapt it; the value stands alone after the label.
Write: 9.38
